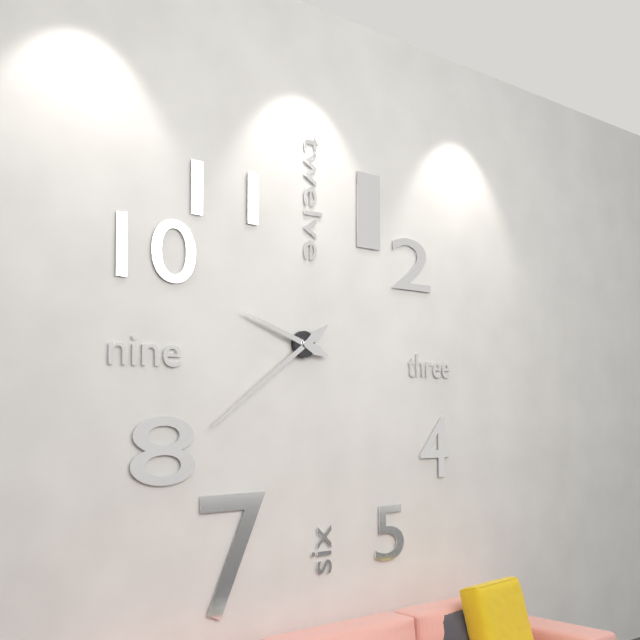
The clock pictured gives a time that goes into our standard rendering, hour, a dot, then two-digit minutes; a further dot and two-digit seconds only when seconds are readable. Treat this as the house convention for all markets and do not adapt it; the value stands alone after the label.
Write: 9.39
